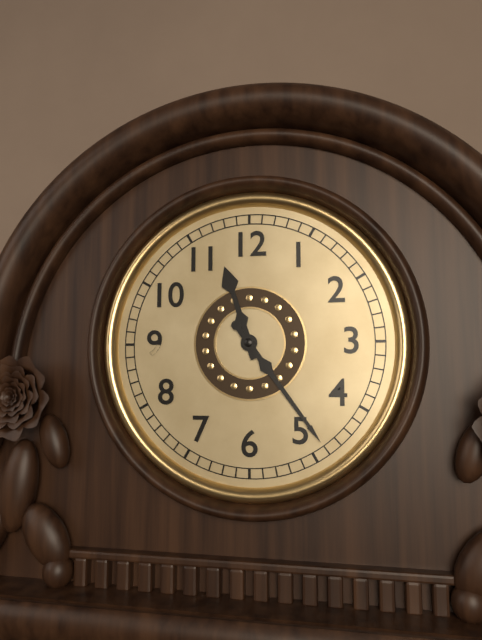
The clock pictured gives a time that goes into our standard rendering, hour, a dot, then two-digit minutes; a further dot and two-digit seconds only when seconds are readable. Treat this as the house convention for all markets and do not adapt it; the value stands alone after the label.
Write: 11.24
